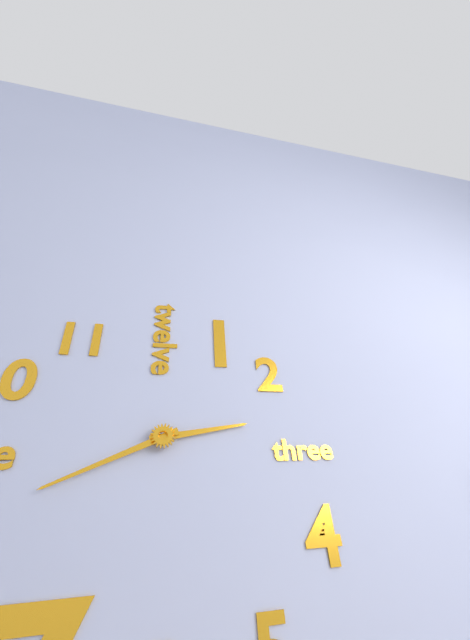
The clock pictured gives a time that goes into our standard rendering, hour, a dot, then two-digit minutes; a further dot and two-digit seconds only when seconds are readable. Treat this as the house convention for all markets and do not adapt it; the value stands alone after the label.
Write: 2.41
